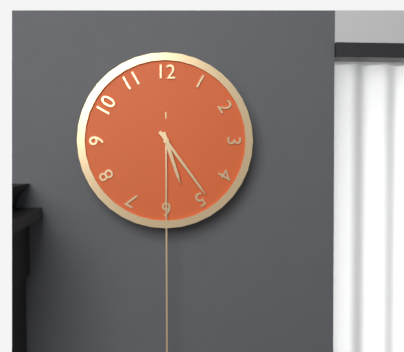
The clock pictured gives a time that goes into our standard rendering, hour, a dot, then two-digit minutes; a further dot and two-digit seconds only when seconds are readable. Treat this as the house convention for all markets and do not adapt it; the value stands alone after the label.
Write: 5.24
